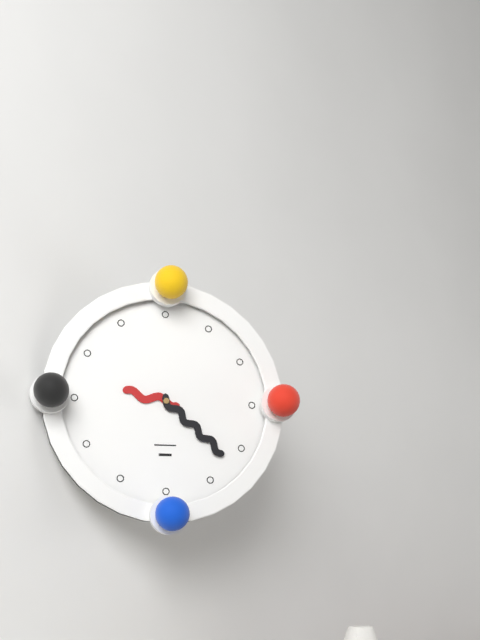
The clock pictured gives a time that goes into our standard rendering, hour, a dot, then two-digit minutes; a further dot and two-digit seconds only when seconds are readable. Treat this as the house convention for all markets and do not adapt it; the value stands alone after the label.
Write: 9.22
